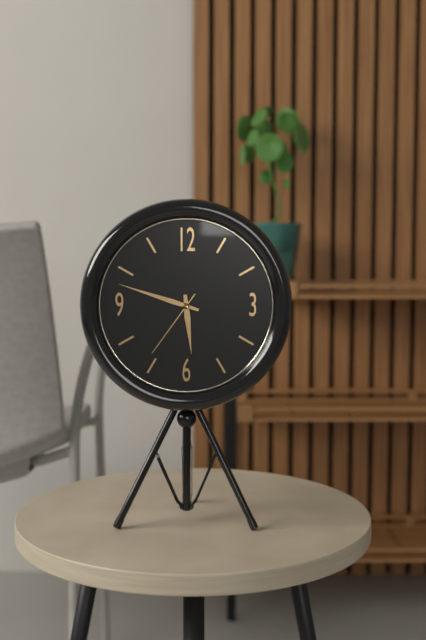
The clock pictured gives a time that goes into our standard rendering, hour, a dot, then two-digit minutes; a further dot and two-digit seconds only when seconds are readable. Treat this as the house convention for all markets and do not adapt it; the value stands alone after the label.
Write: 5.48.36
